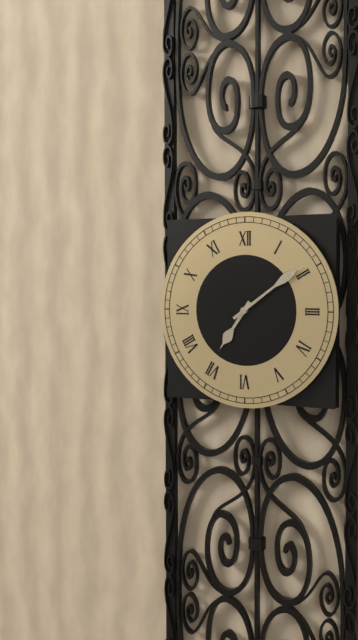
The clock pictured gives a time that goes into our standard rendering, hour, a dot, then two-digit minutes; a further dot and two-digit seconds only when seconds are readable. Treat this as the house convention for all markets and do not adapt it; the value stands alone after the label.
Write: 7.09
